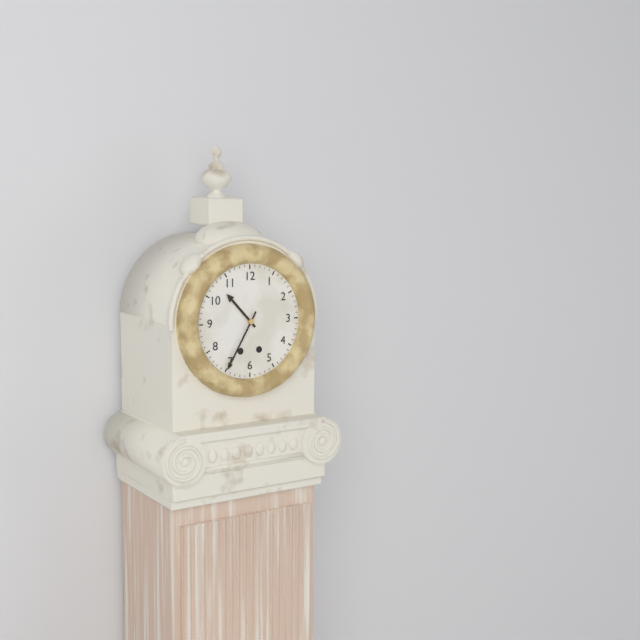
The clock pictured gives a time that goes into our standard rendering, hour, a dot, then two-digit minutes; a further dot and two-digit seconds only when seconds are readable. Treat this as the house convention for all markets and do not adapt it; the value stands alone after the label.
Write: 10.35
